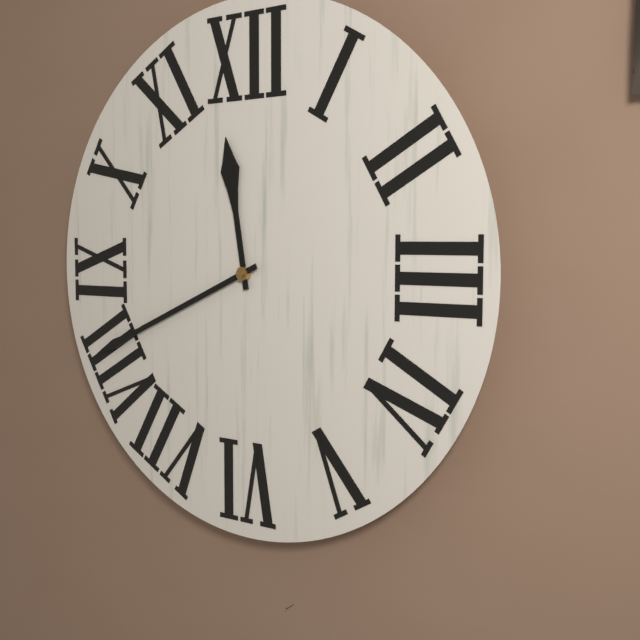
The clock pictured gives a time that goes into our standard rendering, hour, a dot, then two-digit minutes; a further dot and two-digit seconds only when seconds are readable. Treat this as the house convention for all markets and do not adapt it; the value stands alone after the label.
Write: 11.41
